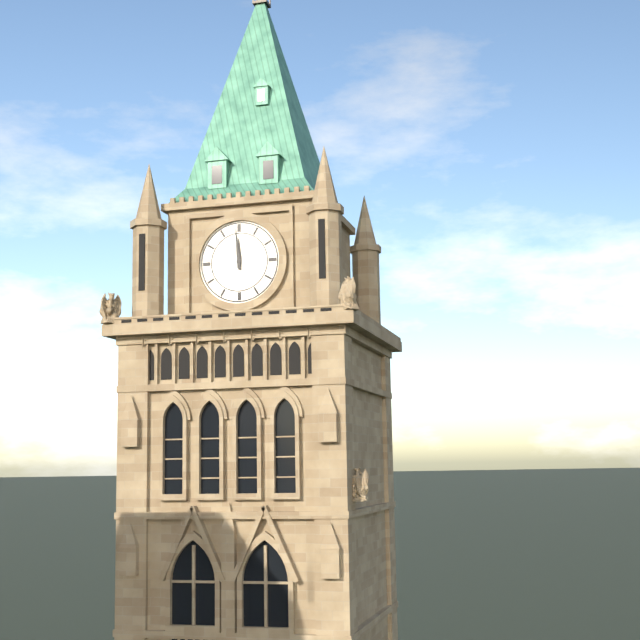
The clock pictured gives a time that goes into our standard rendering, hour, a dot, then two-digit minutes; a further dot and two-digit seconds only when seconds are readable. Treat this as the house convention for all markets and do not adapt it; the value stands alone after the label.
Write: 11.59
